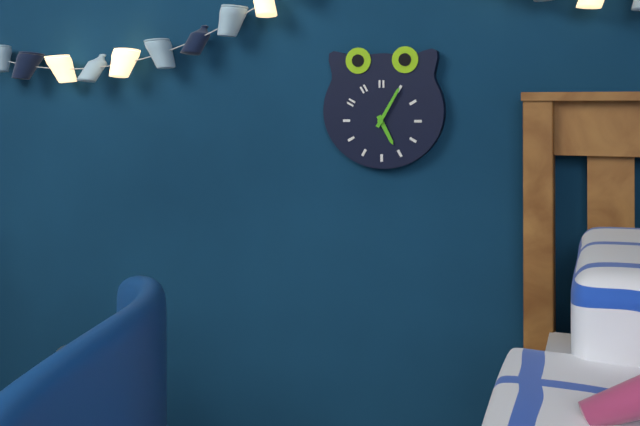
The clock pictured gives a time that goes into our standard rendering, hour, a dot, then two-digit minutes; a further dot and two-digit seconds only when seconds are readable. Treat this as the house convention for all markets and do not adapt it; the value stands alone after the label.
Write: 5.05
